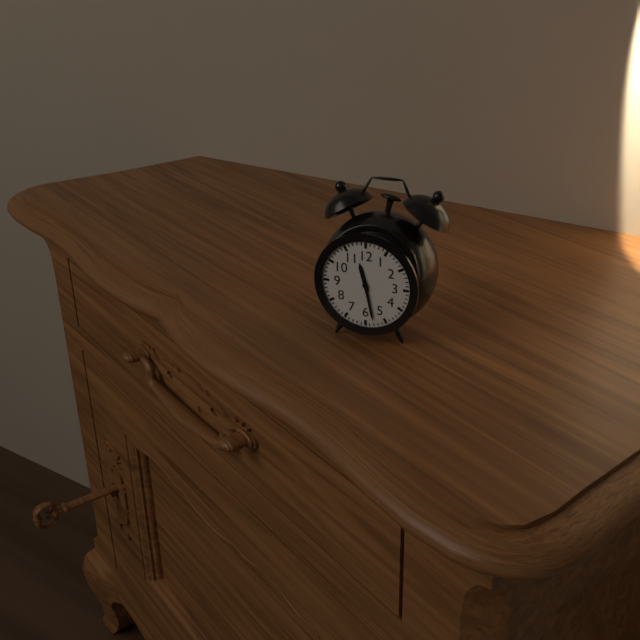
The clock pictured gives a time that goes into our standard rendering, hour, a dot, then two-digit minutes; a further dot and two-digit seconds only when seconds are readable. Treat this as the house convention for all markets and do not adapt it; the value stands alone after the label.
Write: 11.28
